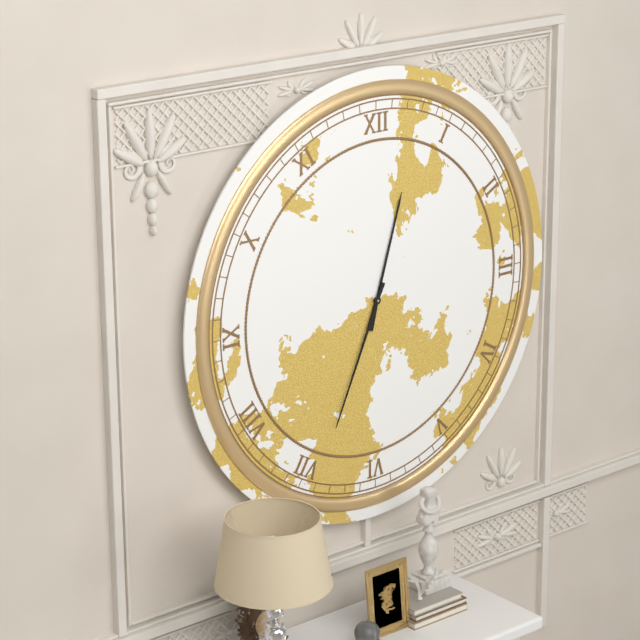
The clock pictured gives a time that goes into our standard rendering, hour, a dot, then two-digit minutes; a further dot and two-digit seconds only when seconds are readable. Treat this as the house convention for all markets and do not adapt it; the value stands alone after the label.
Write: 12.34
